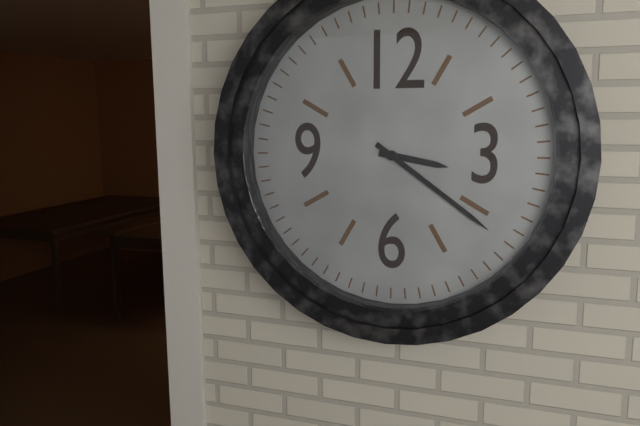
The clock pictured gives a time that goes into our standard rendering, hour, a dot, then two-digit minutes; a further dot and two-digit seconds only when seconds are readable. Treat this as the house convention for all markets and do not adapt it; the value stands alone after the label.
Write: 3.21
